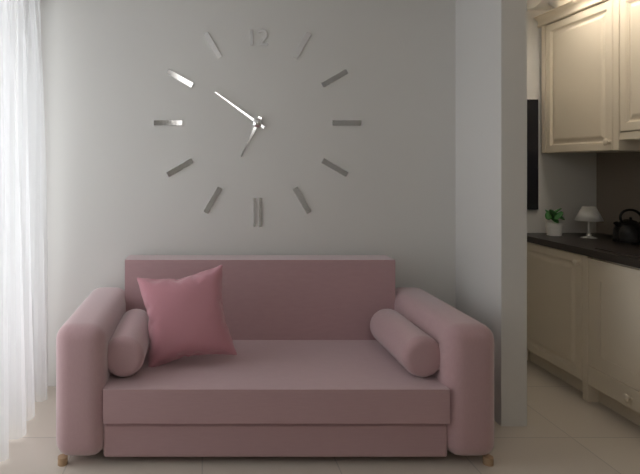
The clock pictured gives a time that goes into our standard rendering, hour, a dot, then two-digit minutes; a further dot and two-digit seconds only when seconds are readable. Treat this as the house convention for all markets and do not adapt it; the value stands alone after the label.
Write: 6.51
